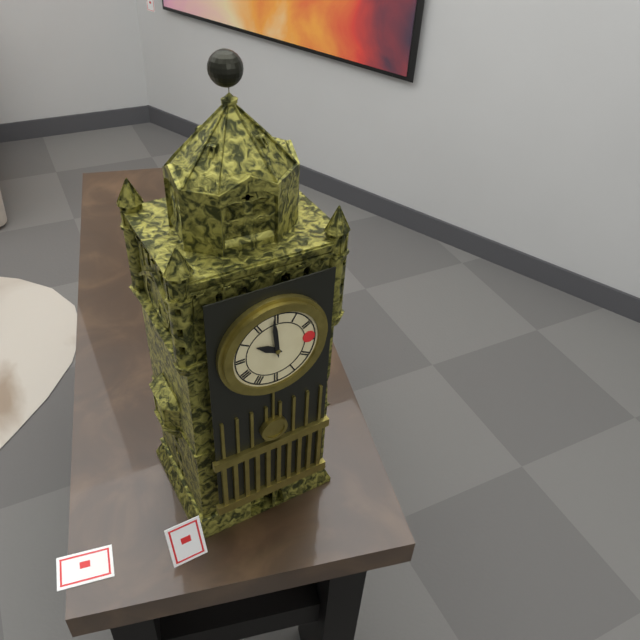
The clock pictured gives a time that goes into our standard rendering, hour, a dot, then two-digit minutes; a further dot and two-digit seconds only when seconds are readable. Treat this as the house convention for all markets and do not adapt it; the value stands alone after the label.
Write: 9.59
